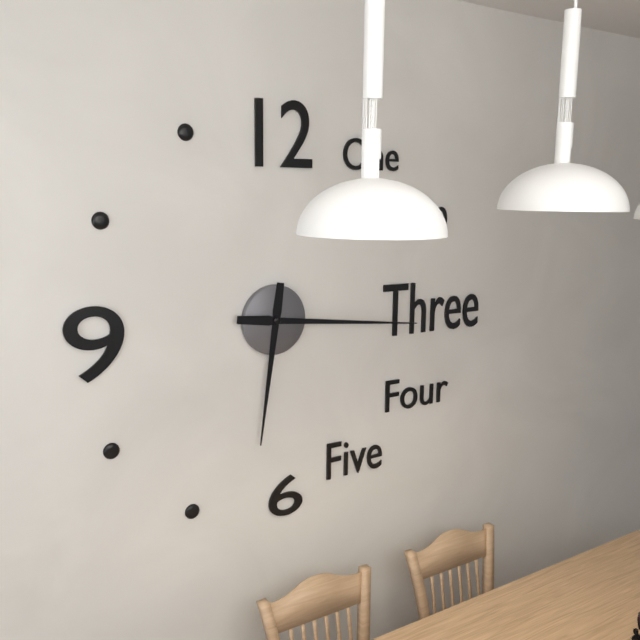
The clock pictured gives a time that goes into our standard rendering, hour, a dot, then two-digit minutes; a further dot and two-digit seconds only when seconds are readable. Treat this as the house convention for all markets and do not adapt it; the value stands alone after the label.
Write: 6.16
